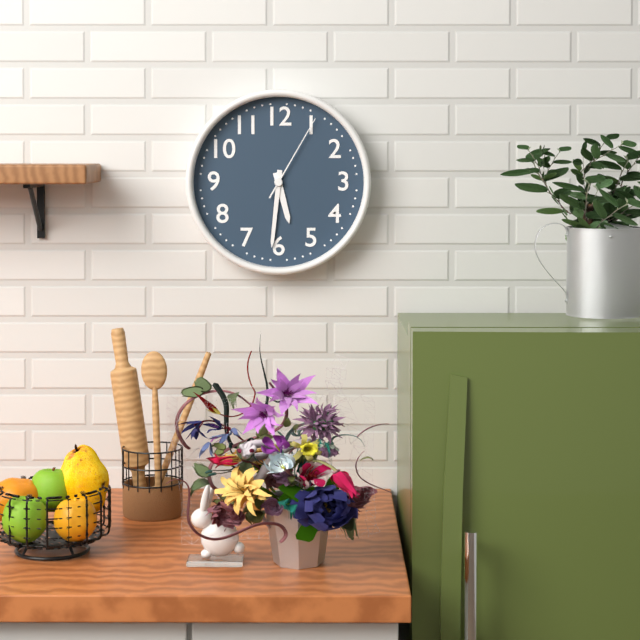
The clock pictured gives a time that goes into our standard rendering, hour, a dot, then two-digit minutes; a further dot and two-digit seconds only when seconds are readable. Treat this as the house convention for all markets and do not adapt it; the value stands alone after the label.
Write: 5.31.05
